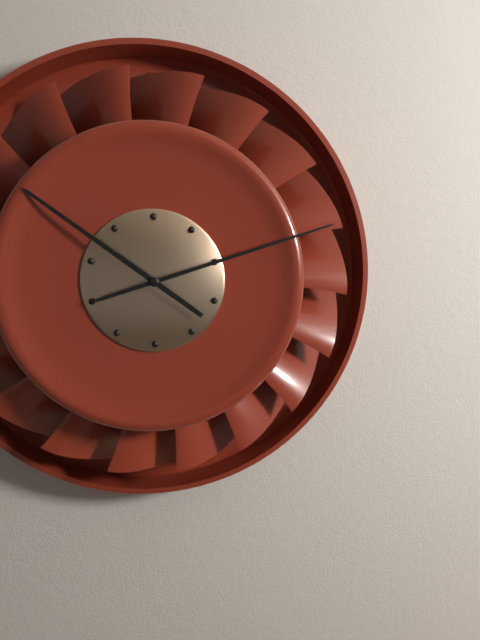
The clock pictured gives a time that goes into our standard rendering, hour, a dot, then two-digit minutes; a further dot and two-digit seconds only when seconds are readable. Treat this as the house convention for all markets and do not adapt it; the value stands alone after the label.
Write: 10.12
